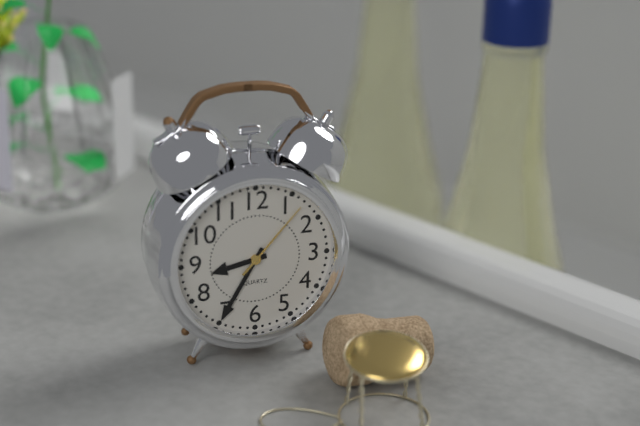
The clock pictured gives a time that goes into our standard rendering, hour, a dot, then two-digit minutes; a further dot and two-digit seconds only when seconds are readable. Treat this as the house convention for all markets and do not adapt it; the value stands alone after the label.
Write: 8.35.07
